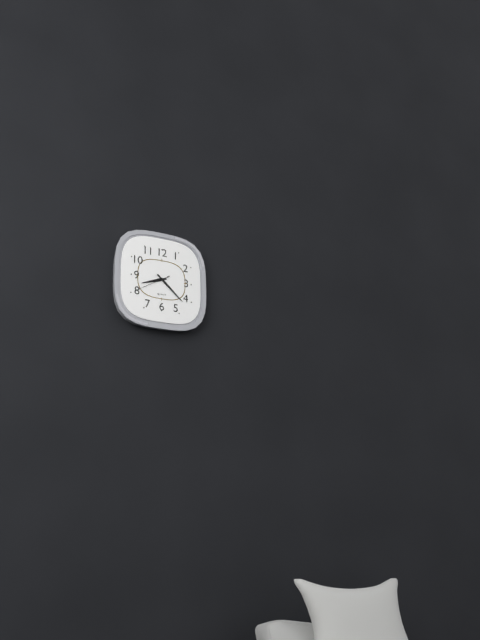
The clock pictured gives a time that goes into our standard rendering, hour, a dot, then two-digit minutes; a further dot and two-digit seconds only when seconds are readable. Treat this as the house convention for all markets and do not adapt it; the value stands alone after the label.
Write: 8.22
